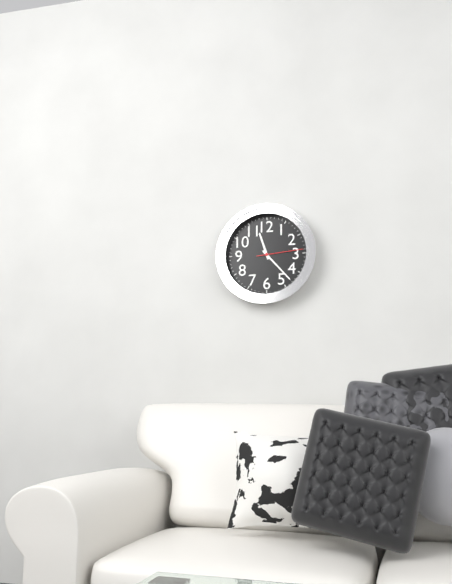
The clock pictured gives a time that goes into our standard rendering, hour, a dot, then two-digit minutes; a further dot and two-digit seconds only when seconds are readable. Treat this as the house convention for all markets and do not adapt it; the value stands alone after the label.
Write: 11.23
